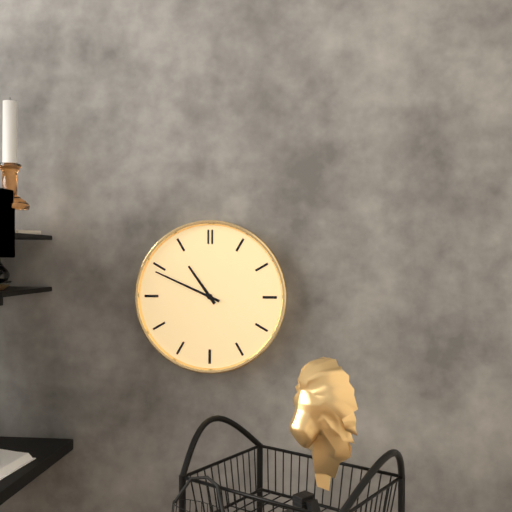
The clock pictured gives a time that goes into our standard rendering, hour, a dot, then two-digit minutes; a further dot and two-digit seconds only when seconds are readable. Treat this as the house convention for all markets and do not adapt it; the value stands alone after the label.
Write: 10.49
